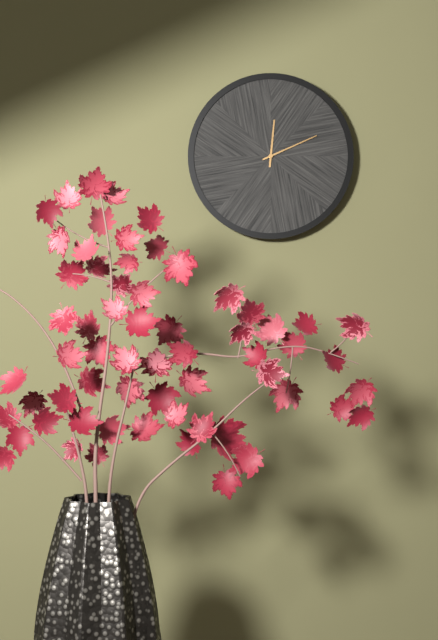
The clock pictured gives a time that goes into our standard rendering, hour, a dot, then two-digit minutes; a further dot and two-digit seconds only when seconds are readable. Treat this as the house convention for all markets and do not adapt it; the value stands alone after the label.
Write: 12.11
